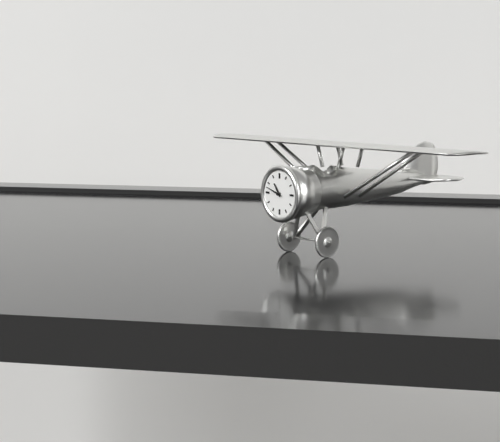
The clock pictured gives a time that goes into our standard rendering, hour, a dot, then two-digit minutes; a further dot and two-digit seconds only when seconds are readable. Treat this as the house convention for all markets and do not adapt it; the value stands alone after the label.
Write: 10.48
